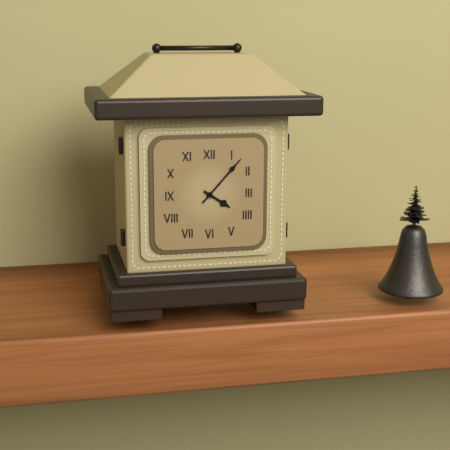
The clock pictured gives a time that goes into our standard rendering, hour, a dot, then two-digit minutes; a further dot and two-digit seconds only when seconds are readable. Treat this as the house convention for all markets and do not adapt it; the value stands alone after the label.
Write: 4.07
